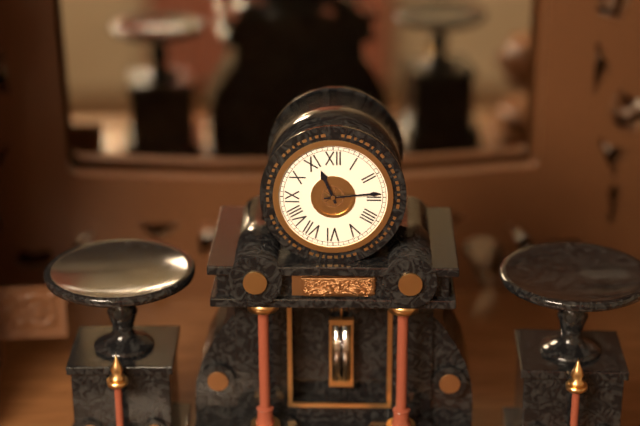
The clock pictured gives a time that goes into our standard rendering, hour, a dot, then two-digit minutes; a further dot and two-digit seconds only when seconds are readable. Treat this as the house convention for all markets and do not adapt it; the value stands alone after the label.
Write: 11.14
